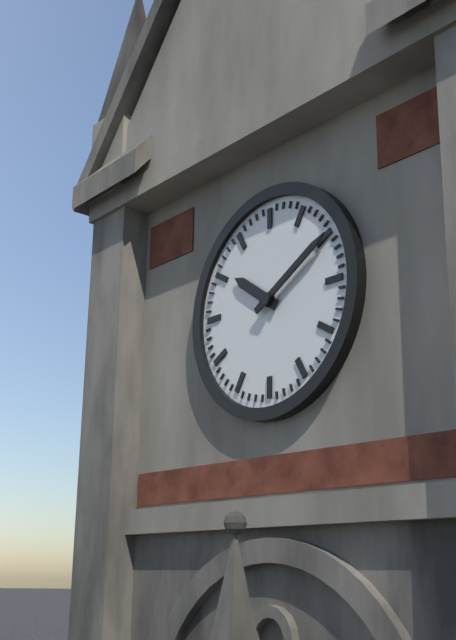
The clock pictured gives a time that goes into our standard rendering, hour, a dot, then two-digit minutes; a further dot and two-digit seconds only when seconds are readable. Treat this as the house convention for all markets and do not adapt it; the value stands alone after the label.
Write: 10.10
